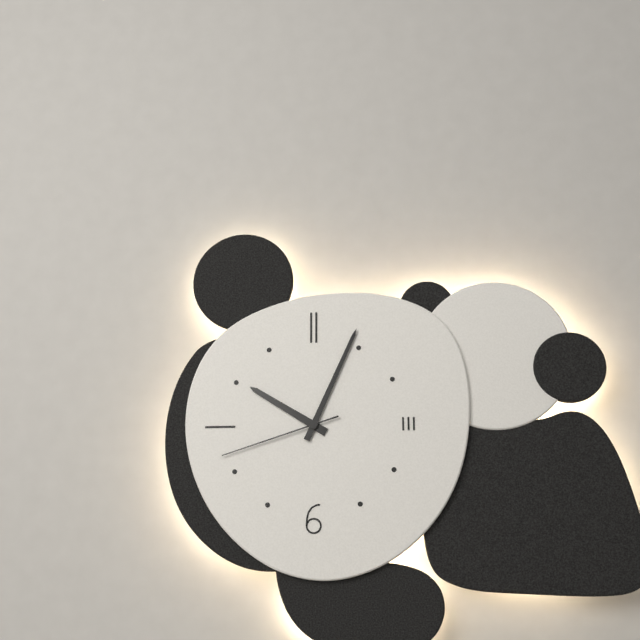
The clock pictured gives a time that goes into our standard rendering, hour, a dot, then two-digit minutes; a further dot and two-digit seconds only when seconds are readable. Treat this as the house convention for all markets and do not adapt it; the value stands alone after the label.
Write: 10.04.42
